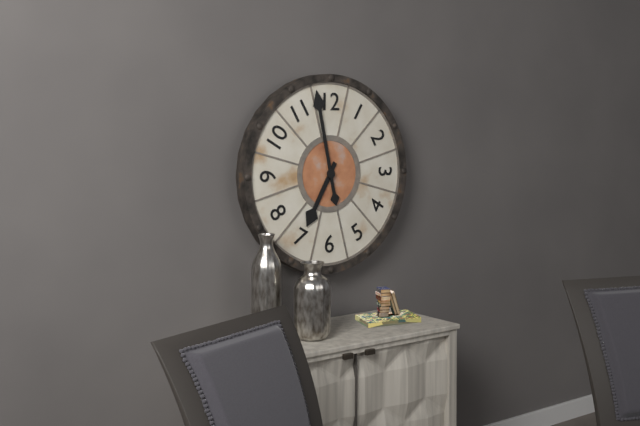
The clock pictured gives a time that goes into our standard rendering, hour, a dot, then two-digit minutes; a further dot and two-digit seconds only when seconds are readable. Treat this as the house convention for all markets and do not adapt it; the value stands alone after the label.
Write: 6.58
